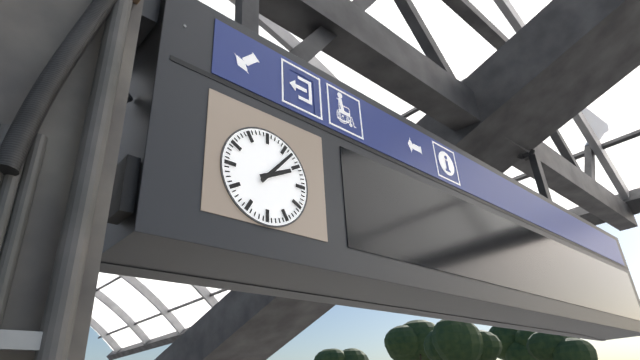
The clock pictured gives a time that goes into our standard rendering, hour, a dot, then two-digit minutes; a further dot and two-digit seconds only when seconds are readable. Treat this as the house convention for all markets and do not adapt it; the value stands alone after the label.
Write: 2.07
